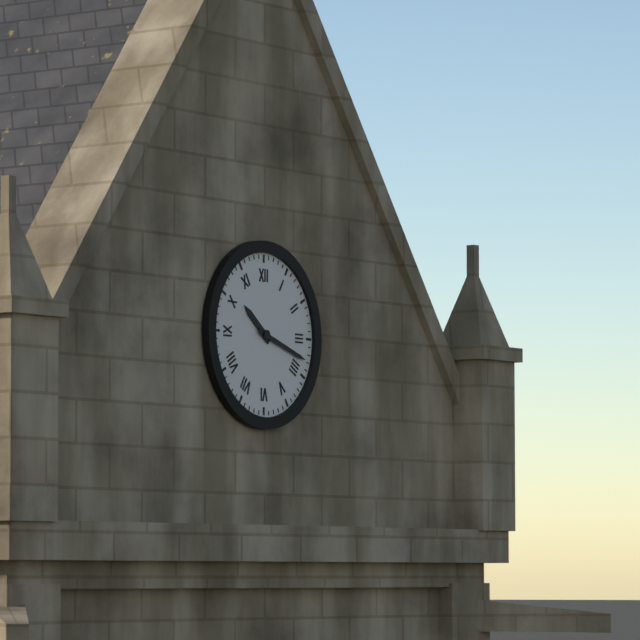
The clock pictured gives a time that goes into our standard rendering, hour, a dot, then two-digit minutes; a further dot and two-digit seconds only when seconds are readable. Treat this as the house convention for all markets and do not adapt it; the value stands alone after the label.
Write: 10.18
